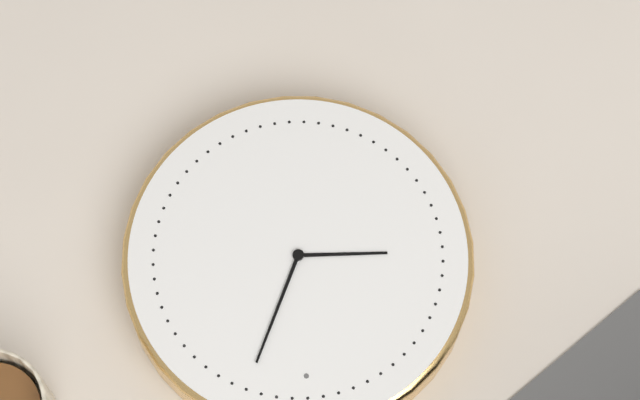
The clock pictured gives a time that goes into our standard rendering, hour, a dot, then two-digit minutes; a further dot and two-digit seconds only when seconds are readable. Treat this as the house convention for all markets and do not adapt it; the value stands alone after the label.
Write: 9.04
